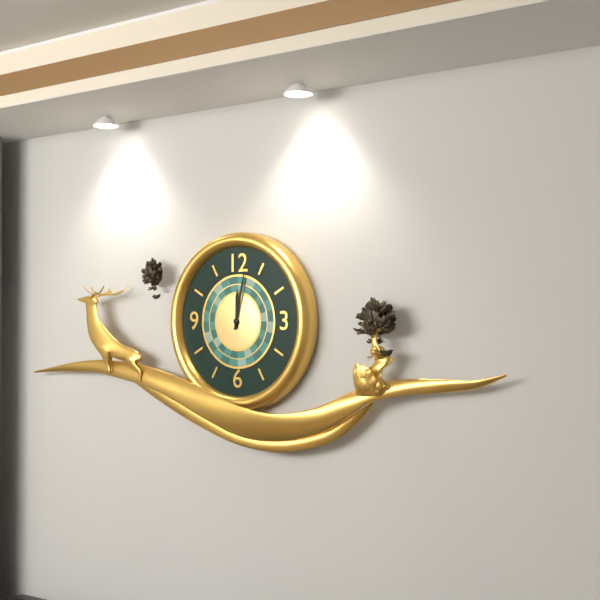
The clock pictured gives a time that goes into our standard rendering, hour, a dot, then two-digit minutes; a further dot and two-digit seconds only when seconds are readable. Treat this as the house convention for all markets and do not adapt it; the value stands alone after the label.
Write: 12.02
